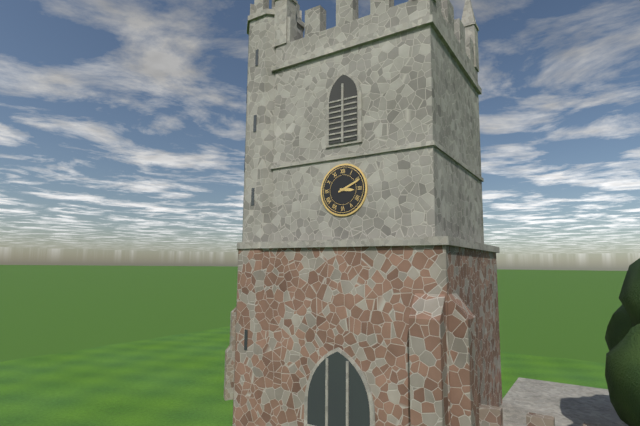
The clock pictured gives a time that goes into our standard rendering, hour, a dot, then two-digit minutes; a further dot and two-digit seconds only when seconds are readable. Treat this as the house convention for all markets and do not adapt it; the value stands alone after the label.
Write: 3.11
